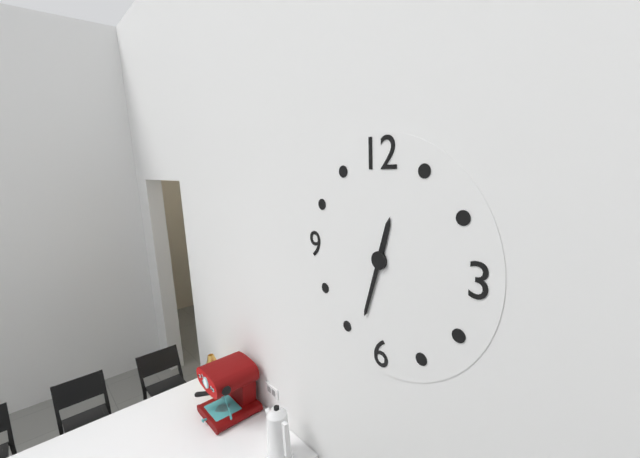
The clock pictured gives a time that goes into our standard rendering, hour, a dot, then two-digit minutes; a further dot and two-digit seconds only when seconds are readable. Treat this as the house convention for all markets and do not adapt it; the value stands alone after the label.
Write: 12.33
